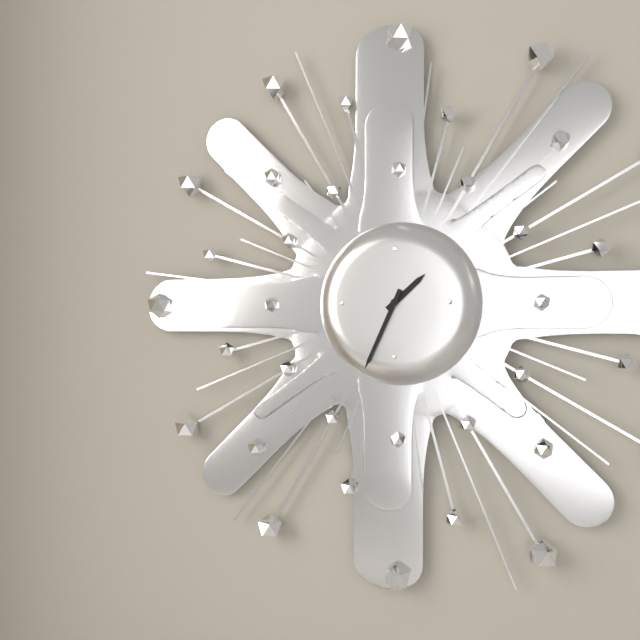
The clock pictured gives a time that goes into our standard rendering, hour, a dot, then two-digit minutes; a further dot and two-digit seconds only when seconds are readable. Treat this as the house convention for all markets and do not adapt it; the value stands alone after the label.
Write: 1.34
